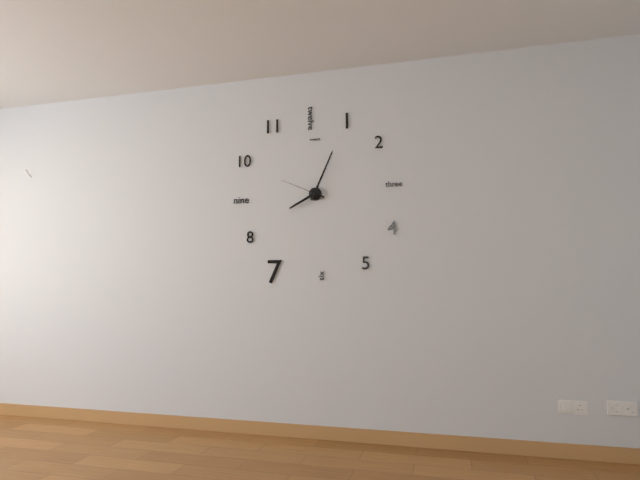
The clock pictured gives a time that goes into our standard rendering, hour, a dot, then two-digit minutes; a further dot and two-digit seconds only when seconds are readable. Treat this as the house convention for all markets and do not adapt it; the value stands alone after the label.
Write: 8.04
